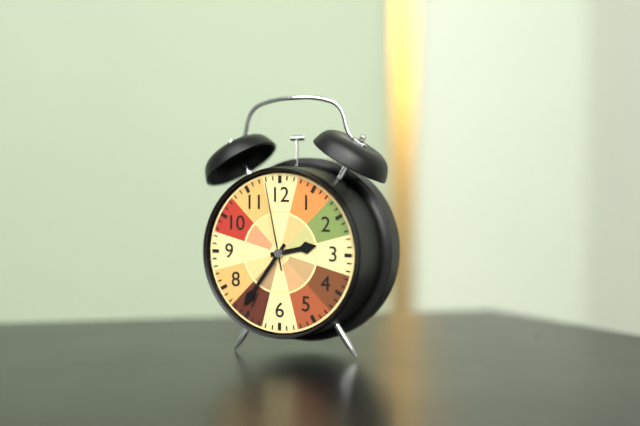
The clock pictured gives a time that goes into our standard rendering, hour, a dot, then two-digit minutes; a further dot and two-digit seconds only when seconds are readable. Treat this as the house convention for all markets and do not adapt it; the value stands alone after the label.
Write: 2.36.58
